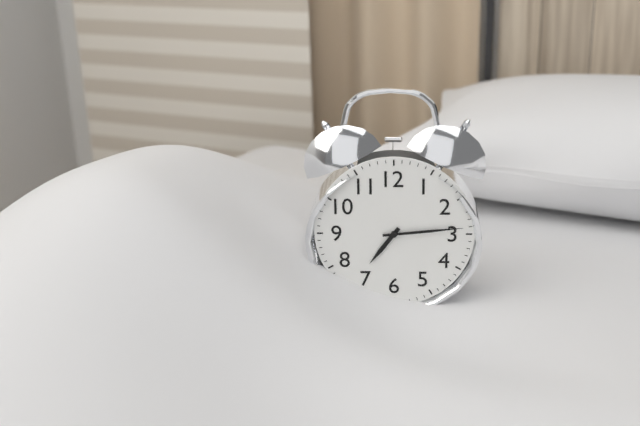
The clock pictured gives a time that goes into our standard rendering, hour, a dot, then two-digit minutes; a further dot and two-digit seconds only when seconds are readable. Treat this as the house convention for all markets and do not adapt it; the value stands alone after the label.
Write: 7.14
